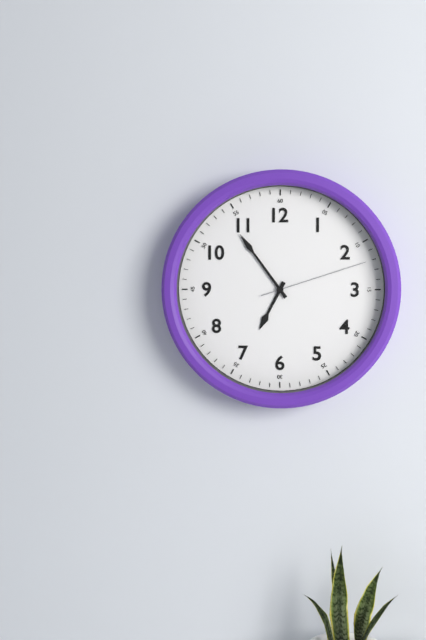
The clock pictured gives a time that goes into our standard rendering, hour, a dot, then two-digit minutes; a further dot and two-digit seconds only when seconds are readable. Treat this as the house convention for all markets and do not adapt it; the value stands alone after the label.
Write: 6.54.12
